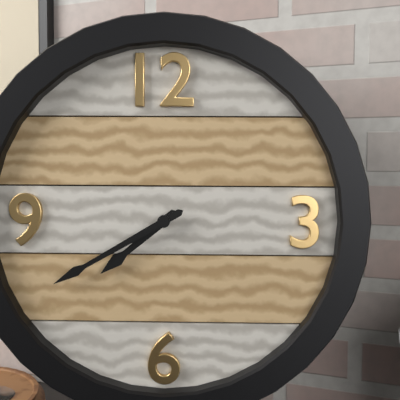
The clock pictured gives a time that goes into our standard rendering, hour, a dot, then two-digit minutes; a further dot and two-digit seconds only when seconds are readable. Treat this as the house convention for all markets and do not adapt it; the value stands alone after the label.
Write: 7.40
